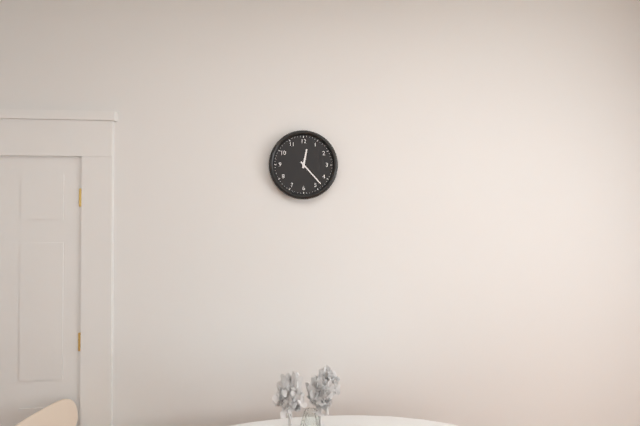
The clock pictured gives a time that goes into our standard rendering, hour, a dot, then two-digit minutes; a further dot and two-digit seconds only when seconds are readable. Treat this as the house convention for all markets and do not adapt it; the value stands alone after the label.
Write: 12.23
